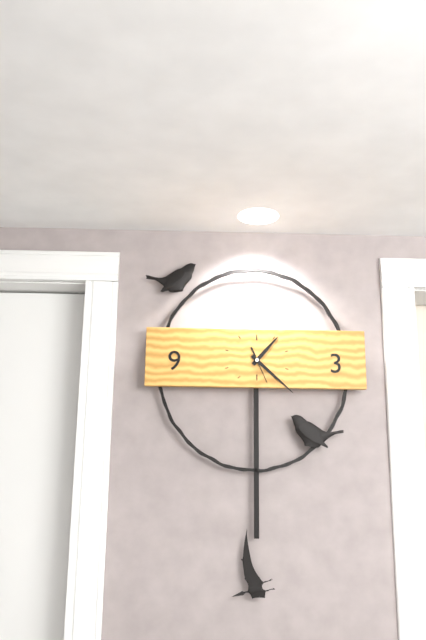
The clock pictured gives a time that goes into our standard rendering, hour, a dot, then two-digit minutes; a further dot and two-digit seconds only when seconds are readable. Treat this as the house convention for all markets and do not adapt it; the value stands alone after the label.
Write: 1.22
